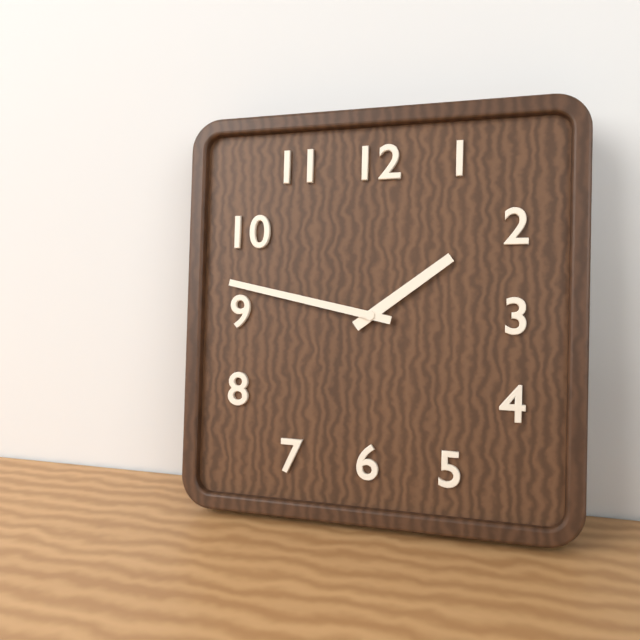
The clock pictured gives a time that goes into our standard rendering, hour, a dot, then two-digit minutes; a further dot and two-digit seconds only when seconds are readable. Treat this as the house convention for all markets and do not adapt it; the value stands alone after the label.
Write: 1.47
